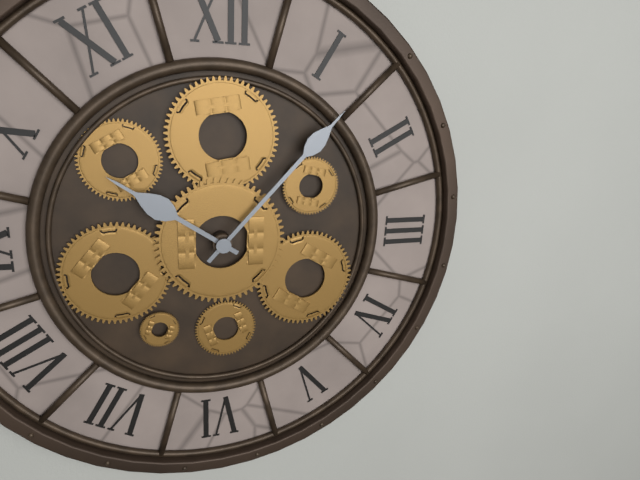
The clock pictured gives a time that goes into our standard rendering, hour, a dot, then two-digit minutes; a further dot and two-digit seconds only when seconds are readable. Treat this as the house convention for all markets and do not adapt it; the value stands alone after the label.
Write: 10.07
